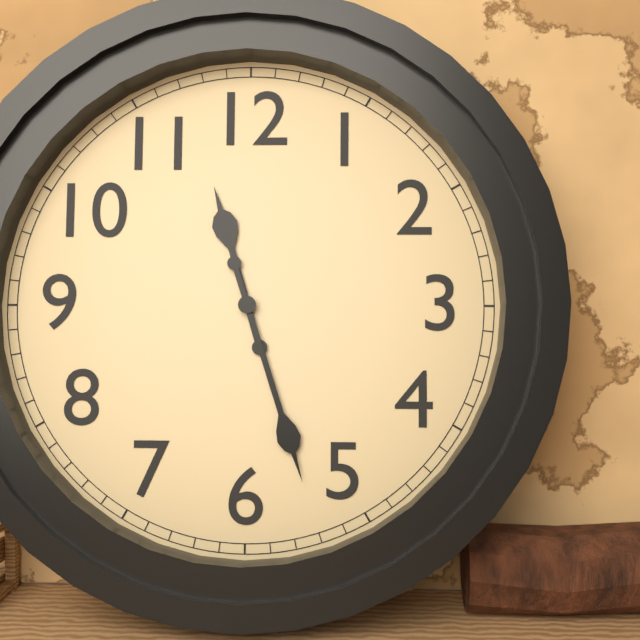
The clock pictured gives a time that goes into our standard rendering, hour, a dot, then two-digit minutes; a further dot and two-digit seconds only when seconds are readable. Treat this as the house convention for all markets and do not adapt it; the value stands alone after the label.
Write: 11.27
